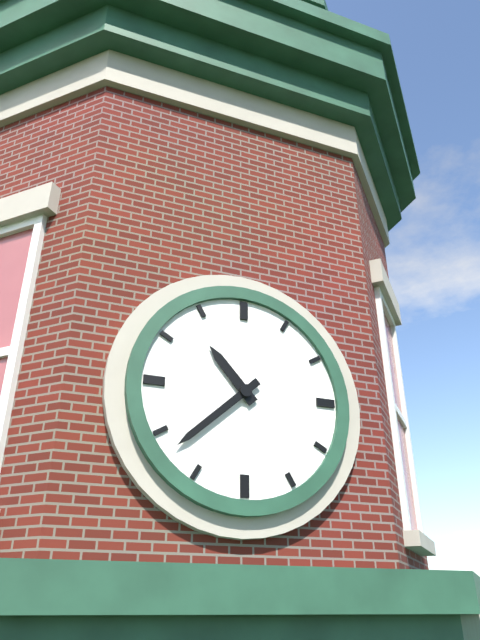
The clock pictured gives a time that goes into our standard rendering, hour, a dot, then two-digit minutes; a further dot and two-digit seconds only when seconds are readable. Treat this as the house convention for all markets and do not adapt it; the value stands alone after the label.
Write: 10.38
